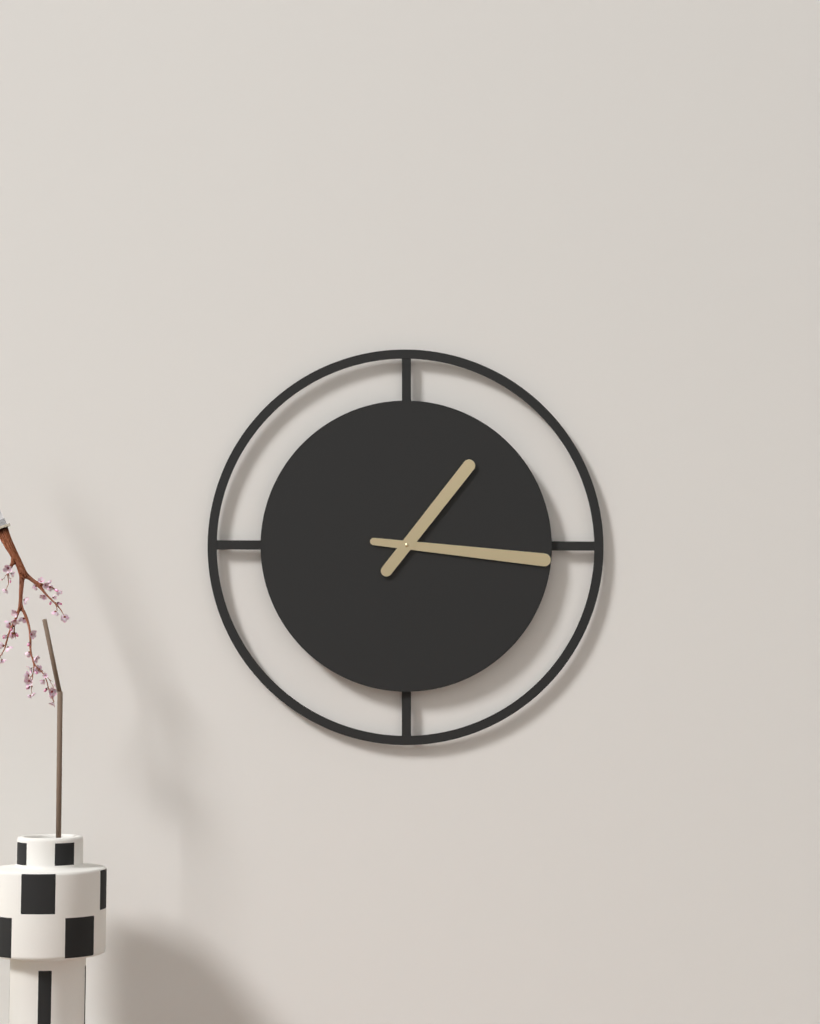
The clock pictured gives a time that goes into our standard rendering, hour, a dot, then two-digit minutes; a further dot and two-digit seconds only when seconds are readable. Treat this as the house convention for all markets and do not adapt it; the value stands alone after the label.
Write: 1.16
